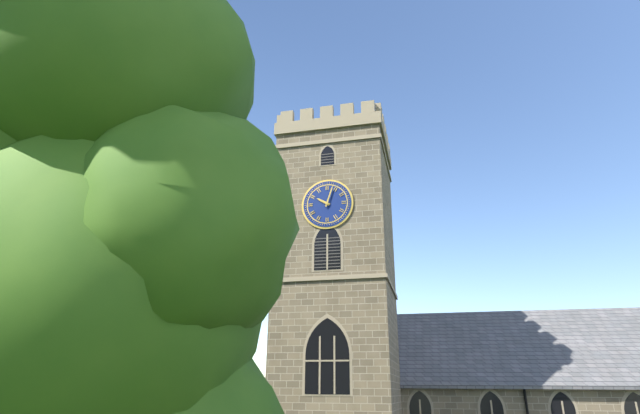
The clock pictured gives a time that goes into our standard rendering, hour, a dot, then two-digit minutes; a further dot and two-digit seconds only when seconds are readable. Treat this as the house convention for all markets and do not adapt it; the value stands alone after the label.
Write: 10.03
